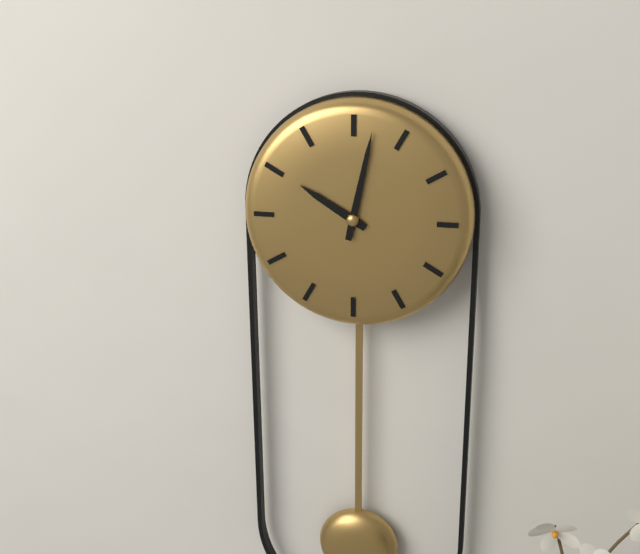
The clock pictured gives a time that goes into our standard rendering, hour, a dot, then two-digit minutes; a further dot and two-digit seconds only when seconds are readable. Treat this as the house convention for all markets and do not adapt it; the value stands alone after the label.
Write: 10.02
